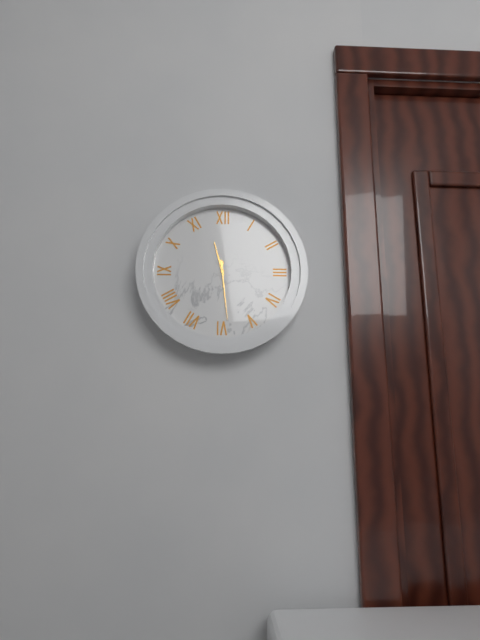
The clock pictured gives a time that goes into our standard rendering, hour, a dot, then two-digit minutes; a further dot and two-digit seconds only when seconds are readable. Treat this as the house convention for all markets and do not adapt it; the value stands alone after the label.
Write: 11.29
